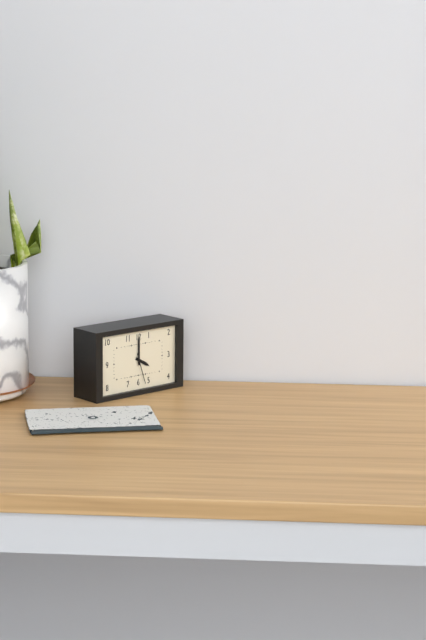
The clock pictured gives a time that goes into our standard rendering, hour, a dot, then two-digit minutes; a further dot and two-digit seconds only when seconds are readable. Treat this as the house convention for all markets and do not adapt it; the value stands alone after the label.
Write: 4.00
